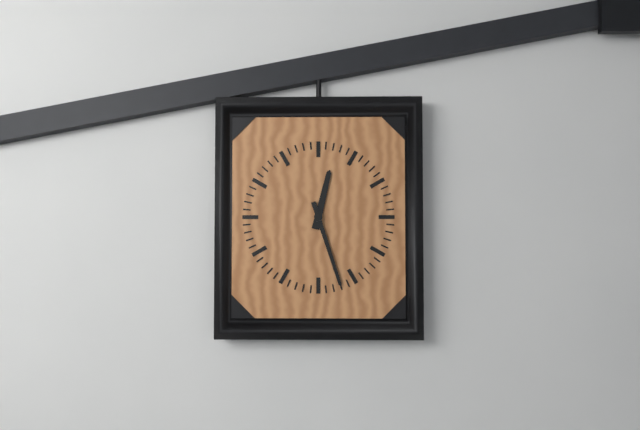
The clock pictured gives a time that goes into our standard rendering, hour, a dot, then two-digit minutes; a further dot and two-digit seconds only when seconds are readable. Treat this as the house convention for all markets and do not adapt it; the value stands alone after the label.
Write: 12.27
